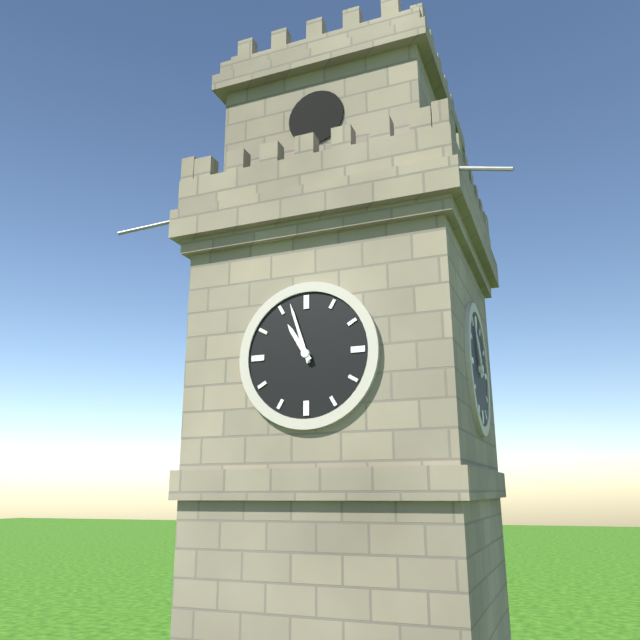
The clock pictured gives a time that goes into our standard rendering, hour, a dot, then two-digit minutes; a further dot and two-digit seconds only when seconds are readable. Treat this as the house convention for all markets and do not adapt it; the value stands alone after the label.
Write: 10.57
